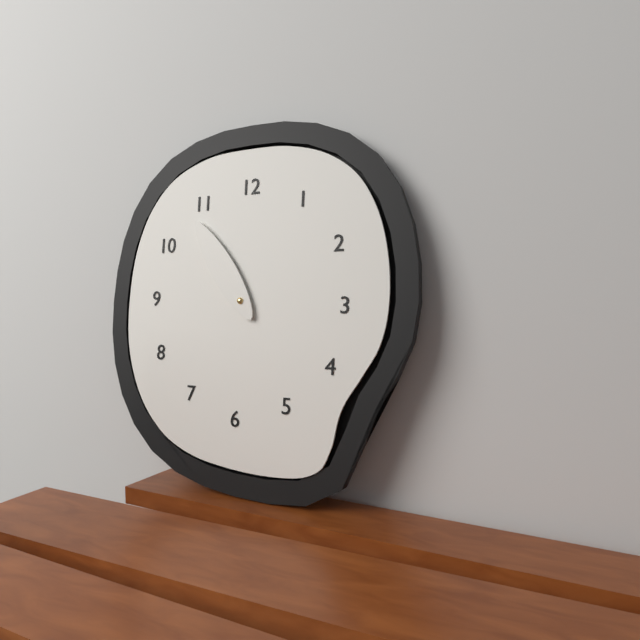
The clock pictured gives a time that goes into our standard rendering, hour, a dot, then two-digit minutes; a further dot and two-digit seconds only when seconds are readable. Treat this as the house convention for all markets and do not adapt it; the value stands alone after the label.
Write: 10.54
